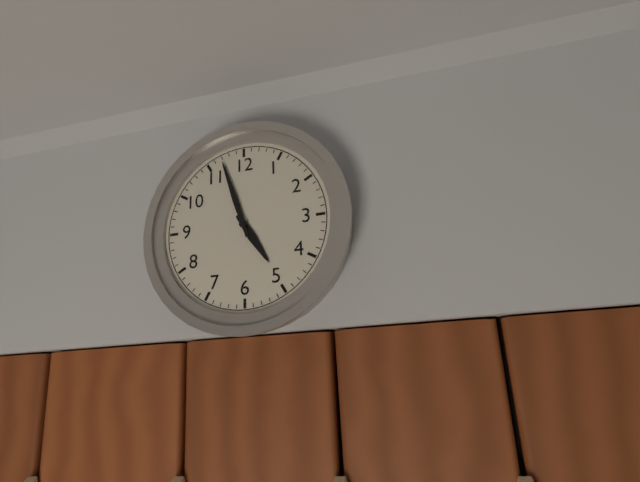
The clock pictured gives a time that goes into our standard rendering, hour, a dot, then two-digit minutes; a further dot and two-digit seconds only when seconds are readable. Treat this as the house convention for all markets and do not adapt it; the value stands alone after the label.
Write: 4.57
